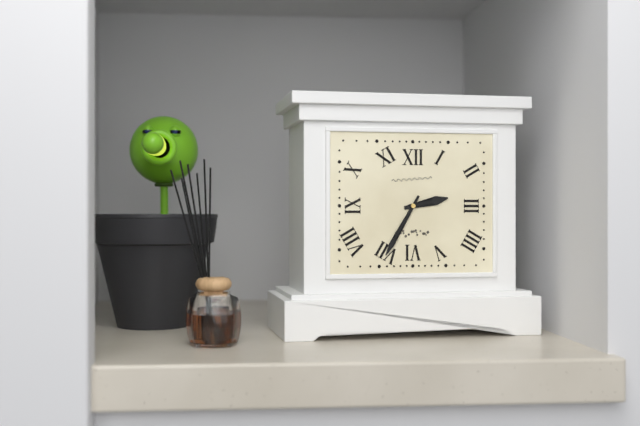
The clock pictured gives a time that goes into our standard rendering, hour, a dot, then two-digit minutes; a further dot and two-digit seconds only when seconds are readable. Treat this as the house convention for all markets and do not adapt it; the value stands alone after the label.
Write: 2.35
